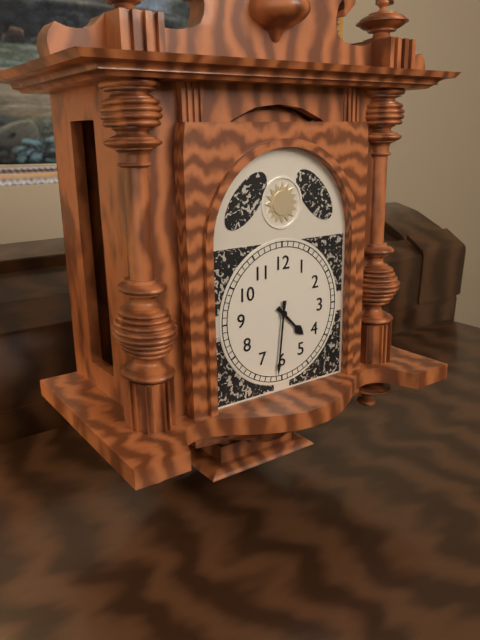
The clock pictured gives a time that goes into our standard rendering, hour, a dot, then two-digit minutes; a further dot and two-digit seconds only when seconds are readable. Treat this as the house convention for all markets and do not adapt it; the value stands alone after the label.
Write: 4.31
